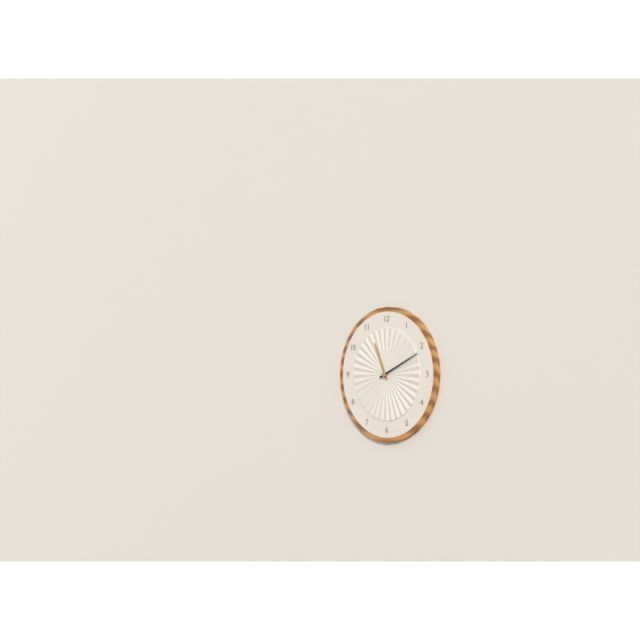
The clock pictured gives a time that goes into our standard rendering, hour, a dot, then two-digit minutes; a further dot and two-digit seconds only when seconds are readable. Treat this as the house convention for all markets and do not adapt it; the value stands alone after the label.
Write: 11.11
